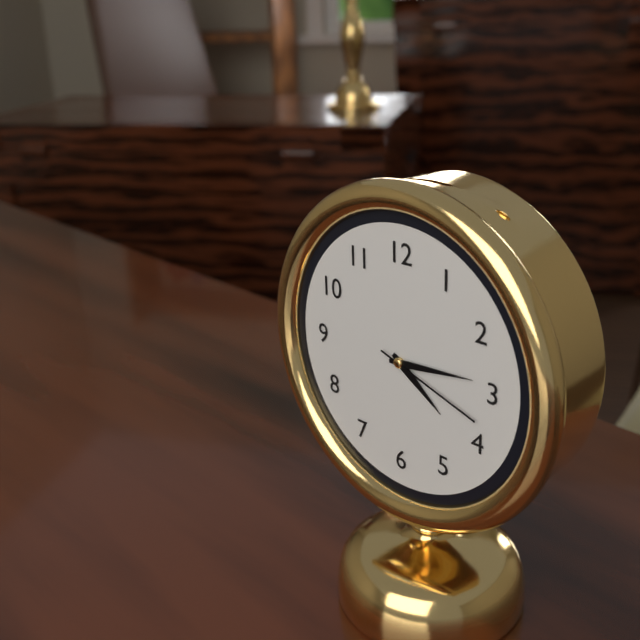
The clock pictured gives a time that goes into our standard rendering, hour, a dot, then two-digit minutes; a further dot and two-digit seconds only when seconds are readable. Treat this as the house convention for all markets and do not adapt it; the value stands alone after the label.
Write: 4.14.18
